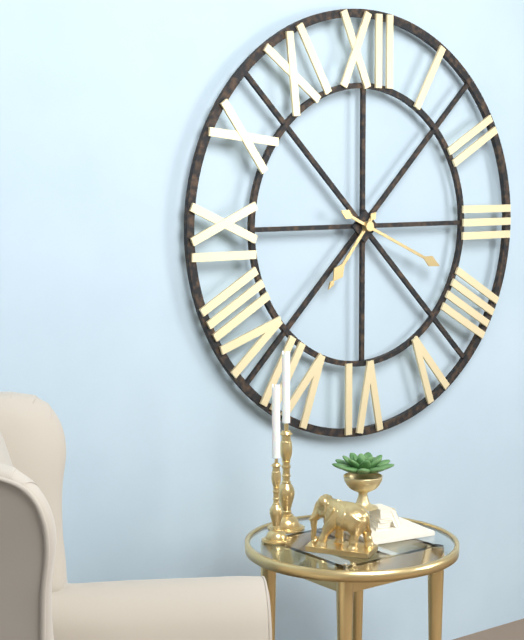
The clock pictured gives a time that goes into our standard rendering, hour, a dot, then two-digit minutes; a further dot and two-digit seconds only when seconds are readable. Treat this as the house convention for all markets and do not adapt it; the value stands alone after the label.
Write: 7.19
